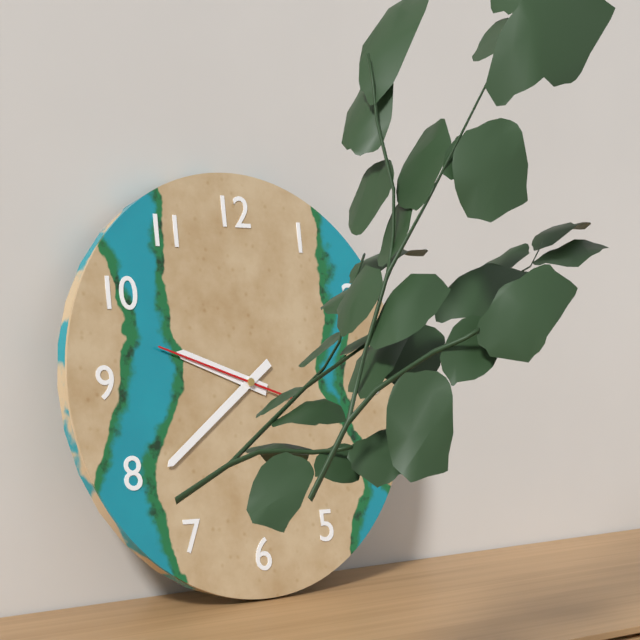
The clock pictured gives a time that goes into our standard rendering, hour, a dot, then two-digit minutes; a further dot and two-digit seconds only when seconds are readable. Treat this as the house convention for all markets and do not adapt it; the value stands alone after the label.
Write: 9.39.48
